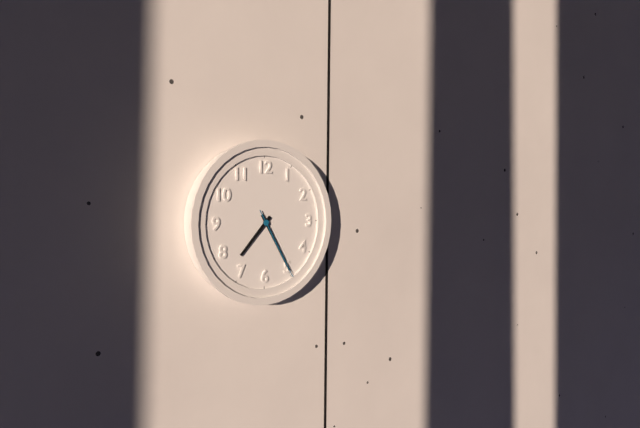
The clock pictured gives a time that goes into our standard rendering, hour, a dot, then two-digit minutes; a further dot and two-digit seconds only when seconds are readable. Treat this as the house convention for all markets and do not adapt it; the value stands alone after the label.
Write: 7.25.25
